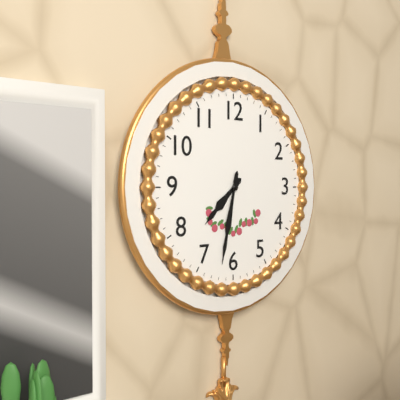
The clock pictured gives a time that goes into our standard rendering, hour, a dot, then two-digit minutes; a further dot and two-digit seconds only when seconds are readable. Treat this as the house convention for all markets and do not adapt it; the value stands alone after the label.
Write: 7.32
